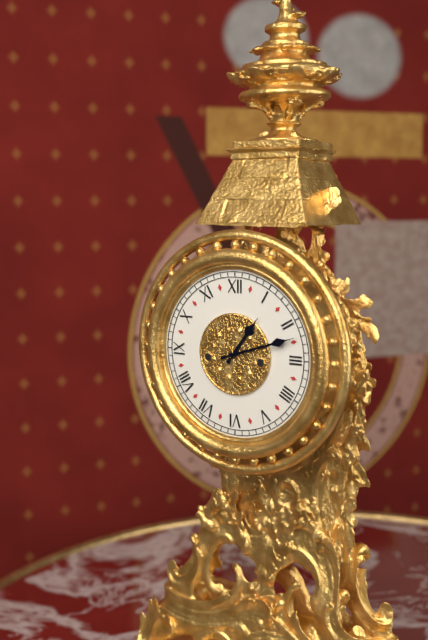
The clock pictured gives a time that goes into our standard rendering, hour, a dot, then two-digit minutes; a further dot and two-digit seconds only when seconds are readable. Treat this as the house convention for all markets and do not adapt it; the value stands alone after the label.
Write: 1.12
